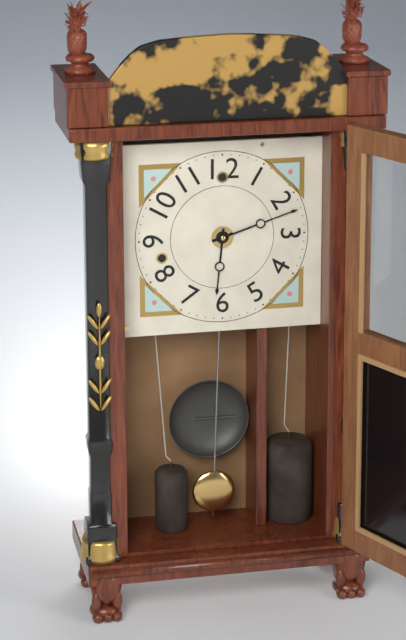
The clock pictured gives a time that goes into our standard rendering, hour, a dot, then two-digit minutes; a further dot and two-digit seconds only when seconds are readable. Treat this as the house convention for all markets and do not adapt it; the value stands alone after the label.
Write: 6.12
